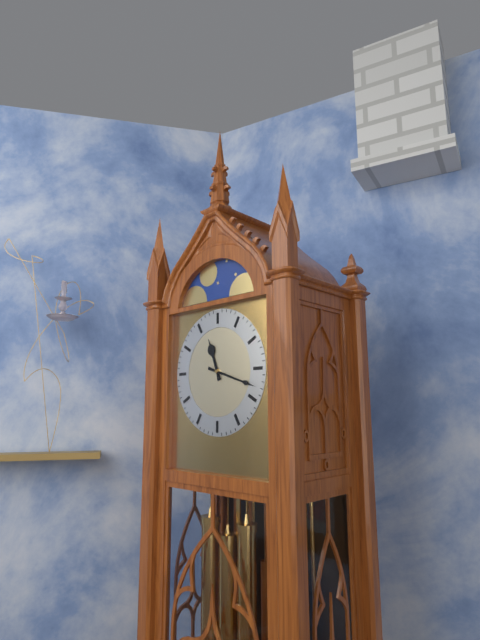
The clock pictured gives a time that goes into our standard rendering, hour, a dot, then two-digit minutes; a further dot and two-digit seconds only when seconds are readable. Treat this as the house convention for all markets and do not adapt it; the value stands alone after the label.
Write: 11.18
